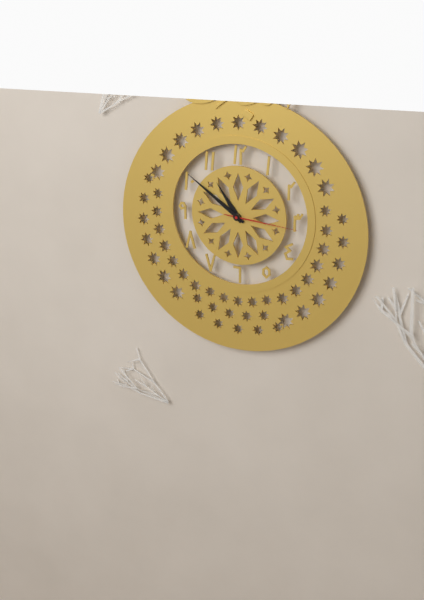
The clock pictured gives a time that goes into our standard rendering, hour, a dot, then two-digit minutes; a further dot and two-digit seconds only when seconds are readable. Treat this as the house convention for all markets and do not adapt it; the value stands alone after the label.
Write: 10.51.16
